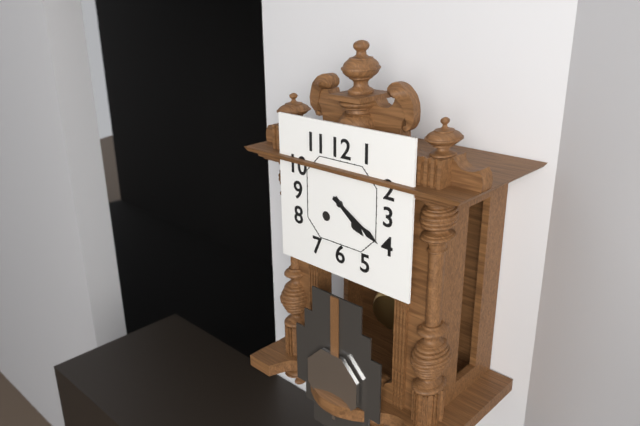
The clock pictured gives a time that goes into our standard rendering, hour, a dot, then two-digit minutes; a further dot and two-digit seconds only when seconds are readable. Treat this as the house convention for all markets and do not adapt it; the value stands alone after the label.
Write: 4.20
